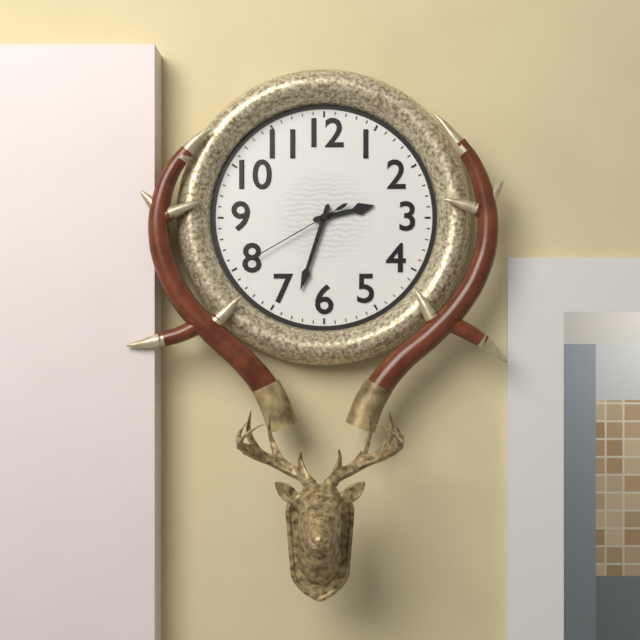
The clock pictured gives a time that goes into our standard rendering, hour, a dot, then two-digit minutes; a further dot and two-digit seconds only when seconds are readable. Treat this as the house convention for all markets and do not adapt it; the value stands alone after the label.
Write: 2.33.40
